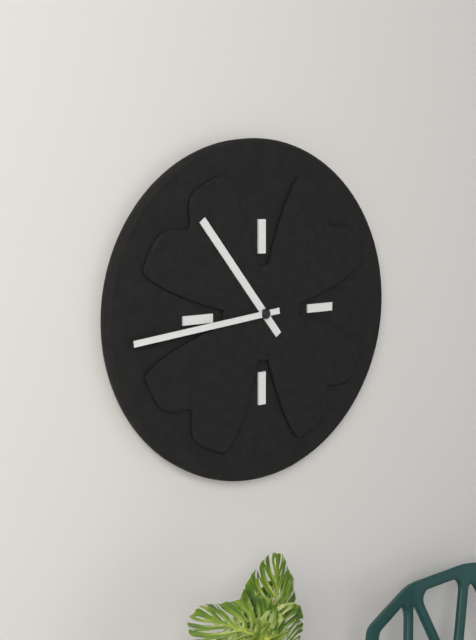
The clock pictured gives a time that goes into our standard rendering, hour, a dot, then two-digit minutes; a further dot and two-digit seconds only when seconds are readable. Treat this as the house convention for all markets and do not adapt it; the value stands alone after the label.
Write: 10.44
